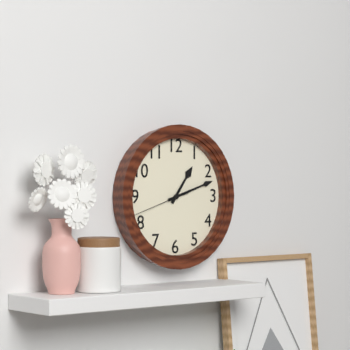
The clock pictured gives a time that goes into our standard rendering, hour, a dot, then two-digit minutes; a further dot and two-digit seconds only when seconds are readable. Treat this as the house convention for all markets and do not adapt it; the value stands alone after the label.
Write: 1.12.42
